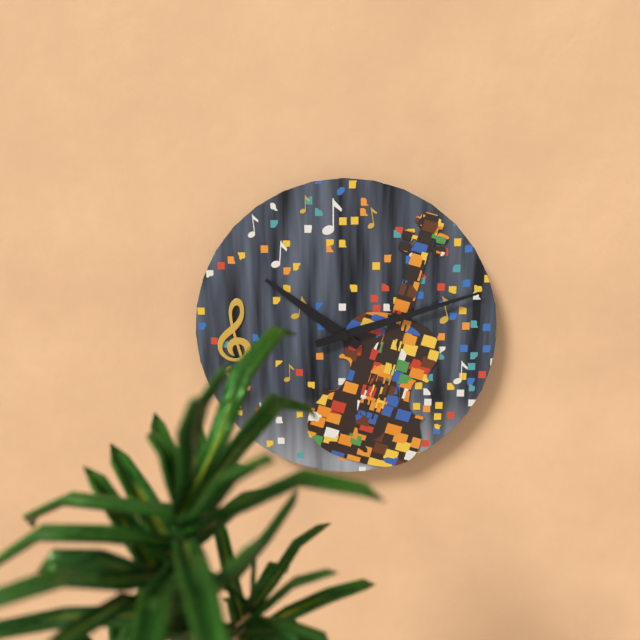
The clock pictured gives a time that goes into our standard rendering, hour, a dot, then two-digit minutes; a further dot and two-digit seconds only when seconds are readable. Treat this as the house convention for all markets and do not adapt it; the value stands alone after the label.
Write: 10.12
